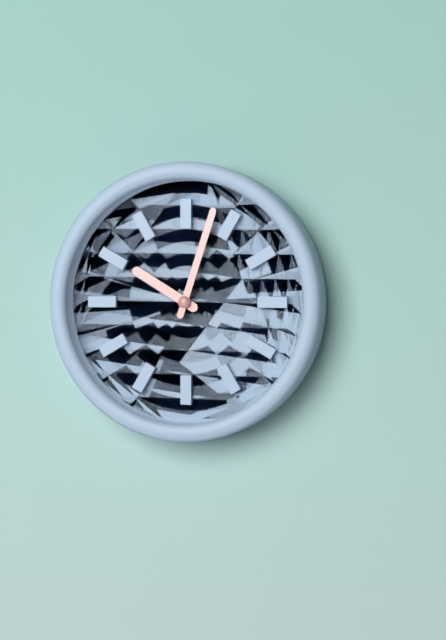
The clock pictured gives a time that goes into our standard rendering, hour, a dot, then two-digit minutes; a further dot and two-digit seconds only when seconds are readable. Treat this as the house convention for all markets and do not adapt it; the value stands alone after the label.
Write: 10.03
